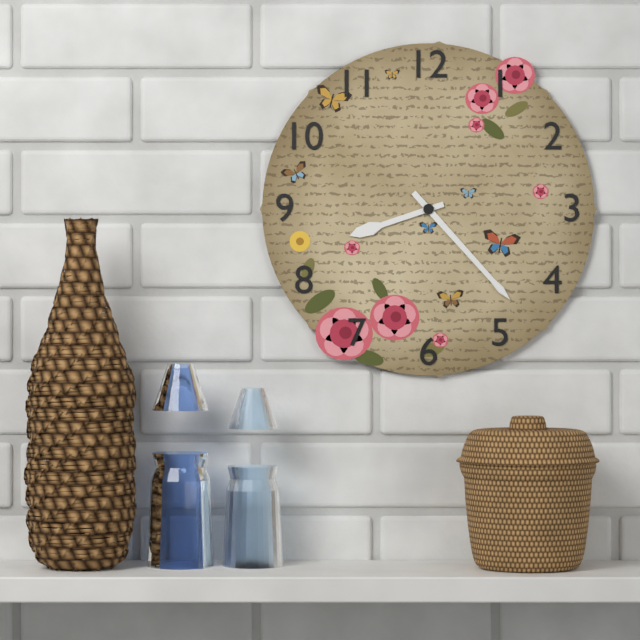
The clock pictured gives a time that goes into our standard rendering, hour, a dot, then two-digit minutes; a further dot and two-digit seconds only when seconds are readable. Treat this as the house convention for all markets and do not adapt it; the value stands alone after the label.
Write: 8.23
